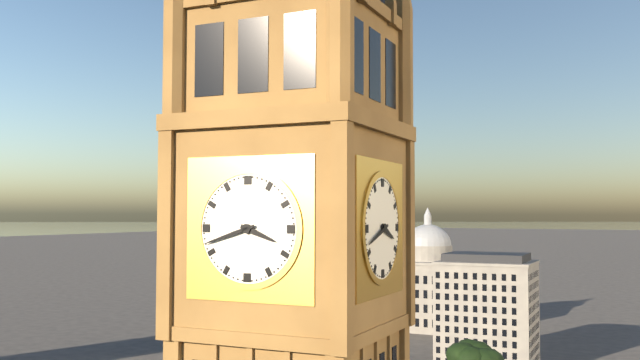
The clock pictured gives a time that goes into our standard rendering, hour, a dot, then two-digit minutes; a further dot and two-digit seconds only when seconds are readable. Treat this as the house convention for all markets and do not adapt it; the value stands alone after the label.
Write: 3.42
